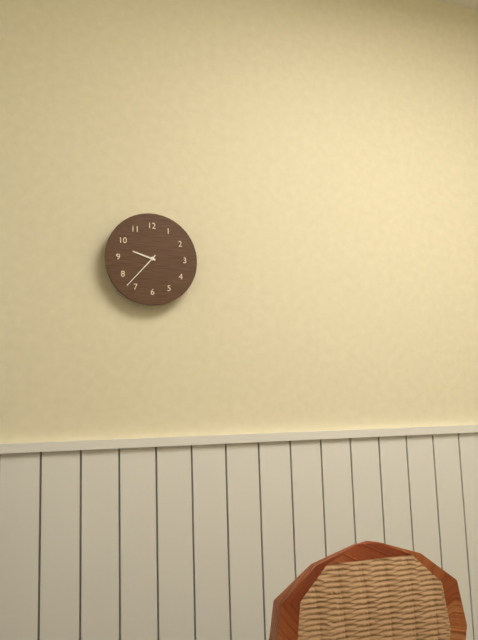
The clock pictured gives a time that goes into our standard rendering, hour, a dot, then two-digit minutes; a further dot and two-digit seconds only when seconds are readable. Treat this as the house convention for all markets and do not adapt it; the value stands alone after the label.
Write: 9.37
